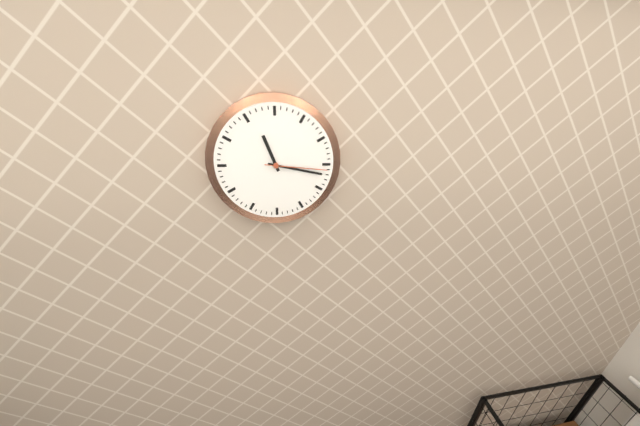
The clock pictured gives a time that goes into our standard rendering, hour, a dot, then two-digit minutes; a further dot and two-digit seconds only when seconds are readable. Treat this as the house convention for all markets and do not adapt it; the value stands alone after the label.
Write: 11.17.16
